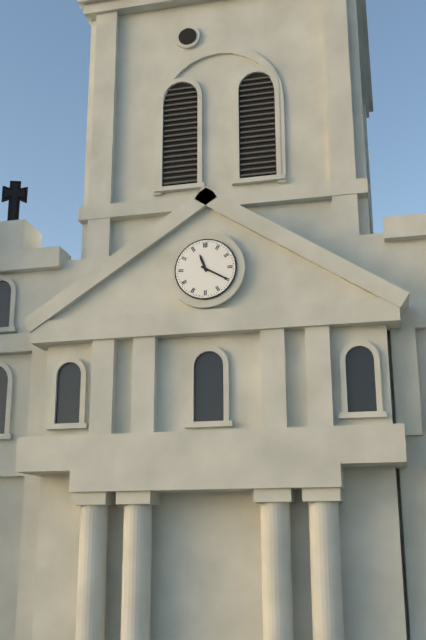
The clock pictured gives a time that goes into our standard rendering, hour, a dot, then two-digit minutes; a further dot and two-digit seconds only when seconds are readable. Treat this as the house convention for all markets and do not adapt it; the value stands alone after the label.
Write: 11.20
